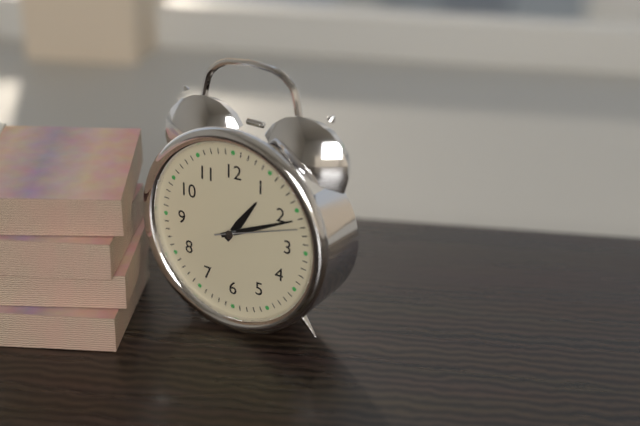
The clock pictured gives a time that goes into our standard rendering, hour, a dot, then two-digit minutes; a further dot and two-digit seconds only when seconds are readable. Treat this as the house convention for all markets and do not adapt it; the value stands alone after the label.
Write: 1.11.12
